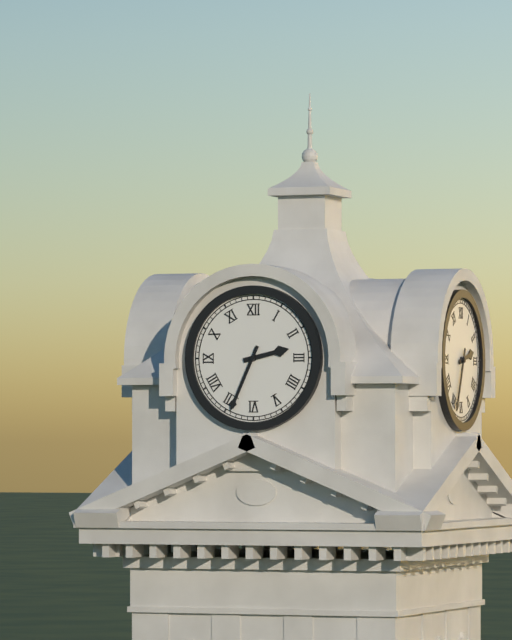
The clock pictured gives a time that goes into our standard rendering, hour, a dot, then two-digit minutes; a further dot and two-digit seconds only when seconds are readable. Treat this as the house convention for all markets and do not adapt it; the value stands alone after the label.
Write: 2.34
